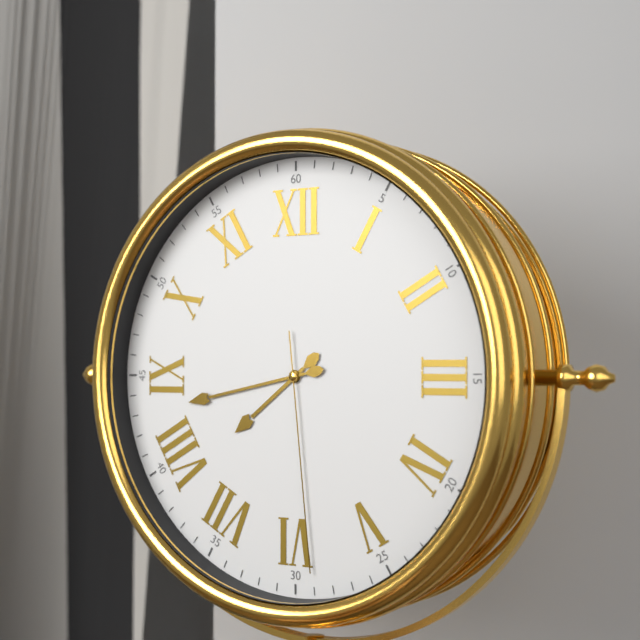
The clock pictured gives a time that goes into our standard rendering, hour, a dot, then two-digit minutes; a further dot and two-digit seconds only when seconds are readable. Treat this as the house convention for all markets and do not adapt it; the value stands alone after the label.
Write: 7.43.29
